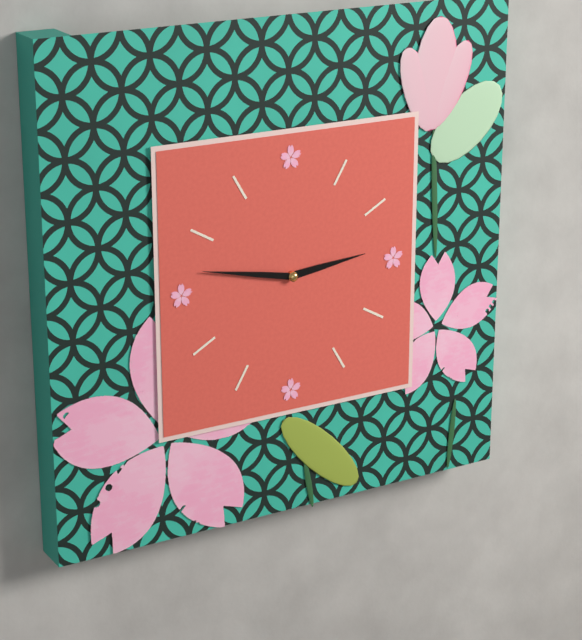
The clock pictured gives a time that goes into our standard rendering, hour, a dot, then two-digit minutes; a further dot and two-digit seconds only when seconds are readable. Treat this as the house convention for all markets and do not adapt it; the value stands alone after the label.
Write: 2.47
